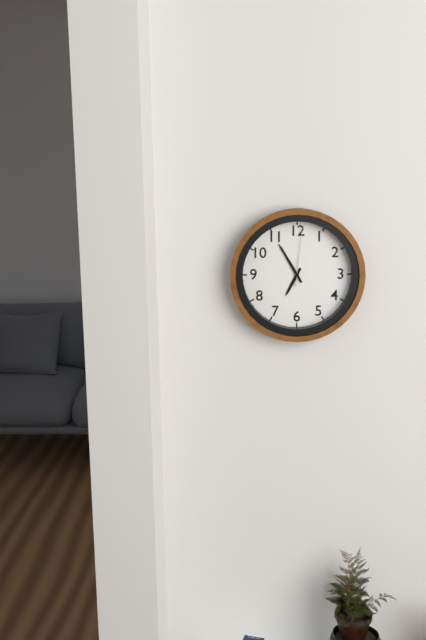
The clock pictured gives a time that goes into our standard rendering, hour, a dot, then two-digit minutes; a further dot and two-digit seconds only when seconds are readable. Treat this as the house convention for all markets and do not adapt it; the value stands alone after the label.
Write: 6.55.01
